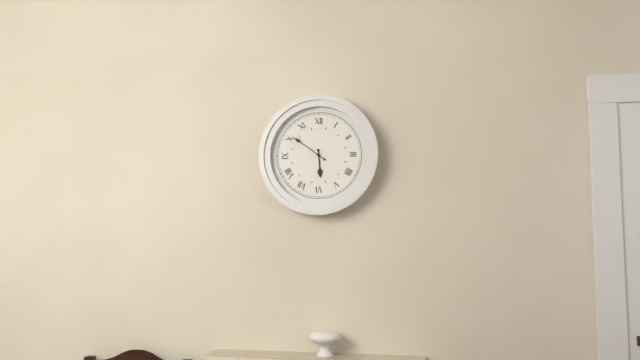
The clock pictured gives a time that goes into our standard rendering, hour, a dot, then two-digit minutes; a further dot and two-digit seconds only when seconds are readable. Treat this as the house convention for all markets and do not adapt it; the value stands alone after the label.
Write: 5.51
